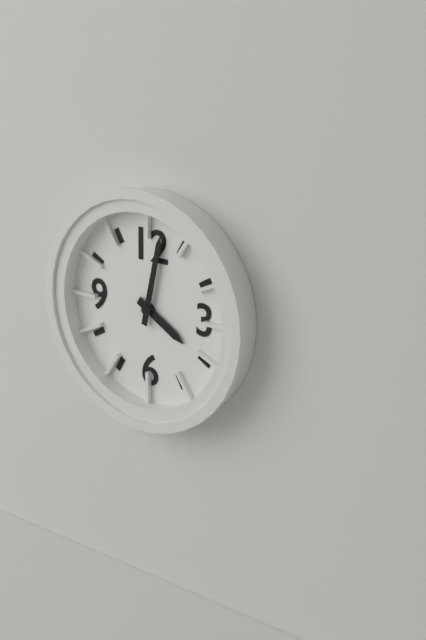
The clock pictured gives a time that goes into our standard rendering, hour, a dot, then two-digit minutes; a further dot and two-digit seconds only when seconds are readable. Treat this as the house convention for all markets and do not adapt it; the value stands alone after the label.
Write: 4.02
